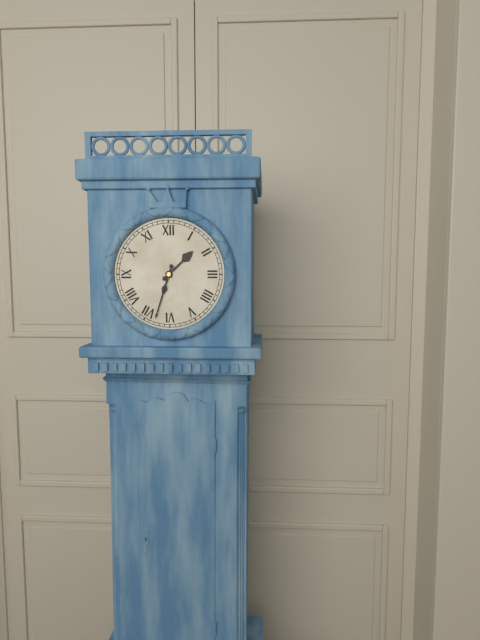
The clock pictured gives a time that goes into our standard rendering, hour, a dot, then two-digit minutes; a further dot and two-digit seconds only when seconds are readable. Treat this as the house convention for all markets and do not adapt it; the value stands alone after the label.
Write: 1.33
